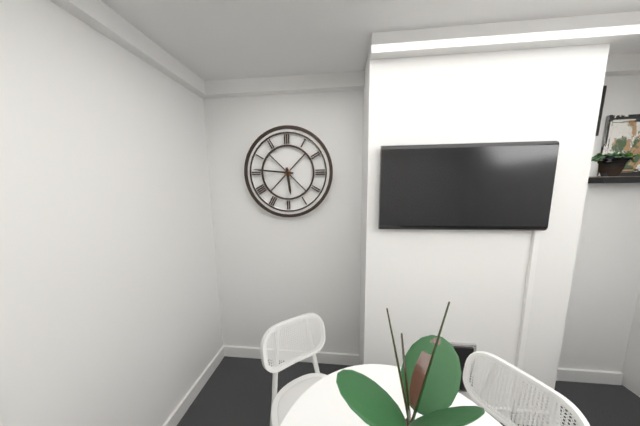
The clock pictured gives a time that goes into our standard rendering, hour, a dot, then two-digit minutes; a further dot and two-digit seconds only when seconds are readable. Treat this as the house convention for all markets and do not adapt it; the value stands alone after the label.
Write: 5.46
